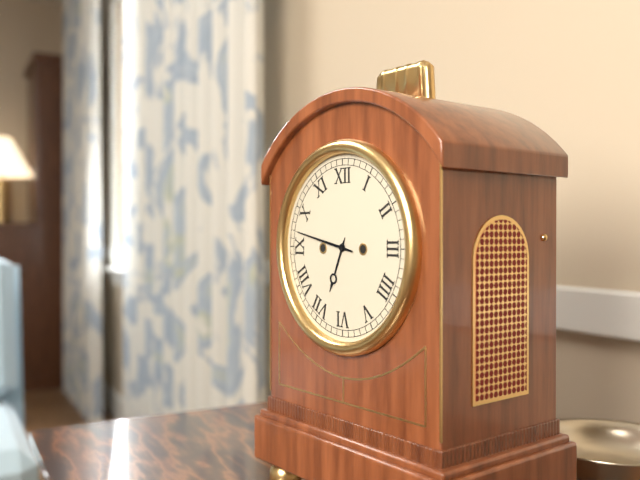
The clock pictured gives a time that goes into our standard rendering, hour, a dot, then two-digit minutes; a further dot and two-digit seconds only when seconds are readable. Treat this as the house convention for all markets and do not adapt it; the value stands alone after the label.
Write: 6.47
